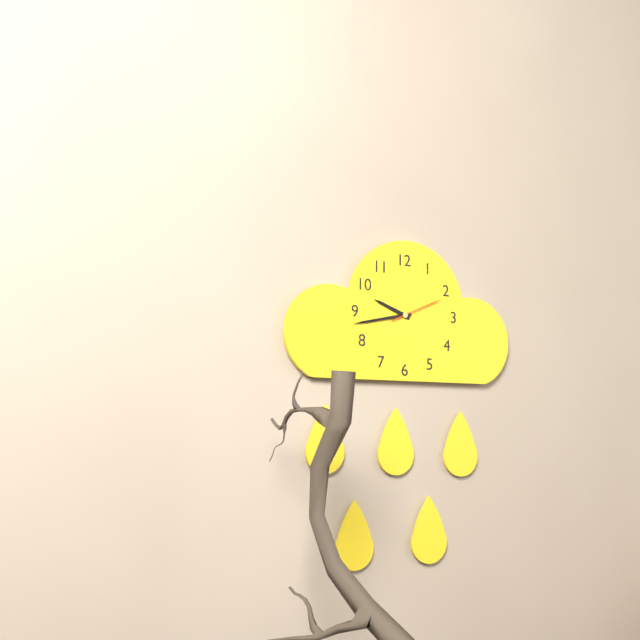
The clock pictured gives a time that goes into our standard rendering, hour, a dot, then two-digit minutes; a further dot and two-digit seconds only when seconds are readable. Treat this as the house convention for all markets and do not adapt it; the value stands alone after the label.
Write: 9.43.11
